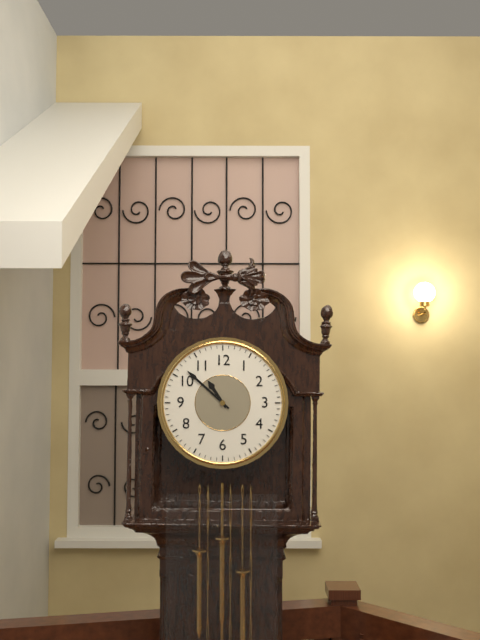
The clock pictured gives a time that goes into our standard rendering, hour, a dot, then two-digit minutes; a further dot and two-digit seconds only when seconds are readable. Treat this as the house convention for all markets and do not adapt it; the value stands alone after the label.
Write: 10.52
